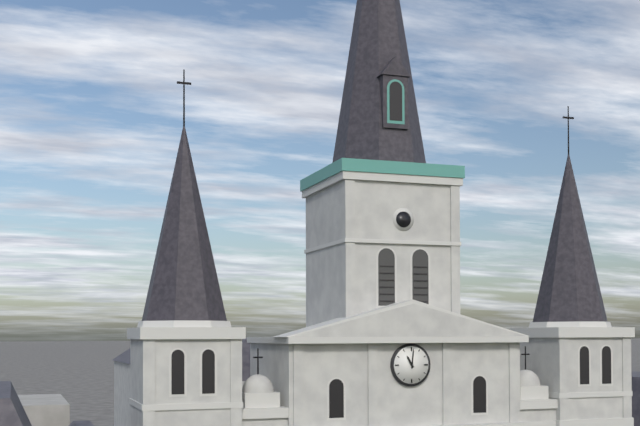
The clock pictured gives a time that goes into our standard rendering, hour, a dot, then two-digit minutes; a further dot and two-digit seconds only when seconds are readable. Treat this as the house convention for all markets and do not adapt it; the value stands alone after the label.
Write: 11.01
